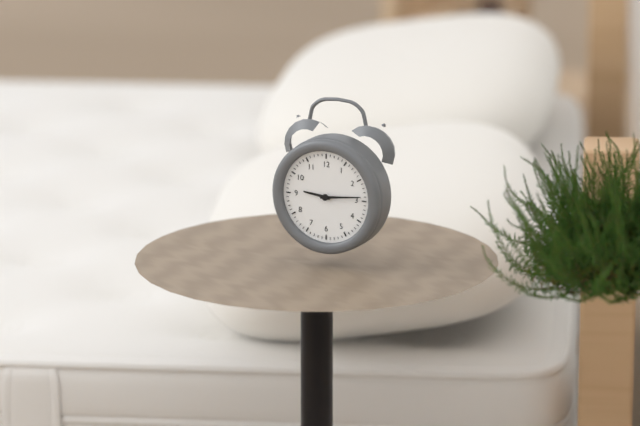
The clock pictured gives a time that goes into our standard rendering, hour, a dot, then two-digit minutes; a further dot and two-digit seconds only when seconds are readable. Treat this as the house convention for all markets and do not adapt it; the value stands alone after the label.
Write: 9.14
